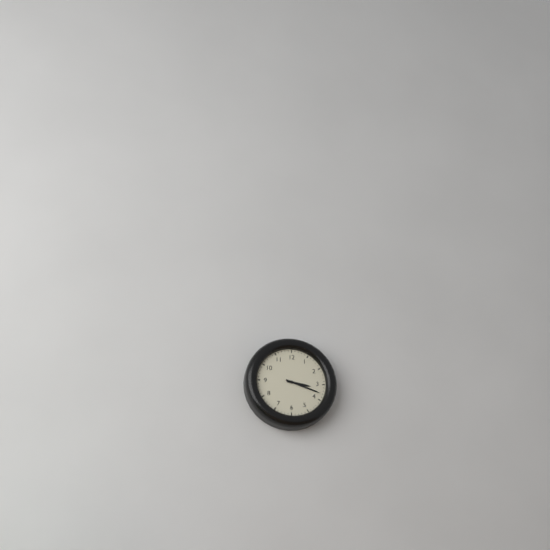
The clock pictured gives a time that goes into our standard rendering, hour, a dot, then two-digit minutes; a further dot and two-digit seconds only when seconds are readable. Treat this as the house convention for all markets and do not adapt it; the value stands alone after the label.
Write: 3.18
